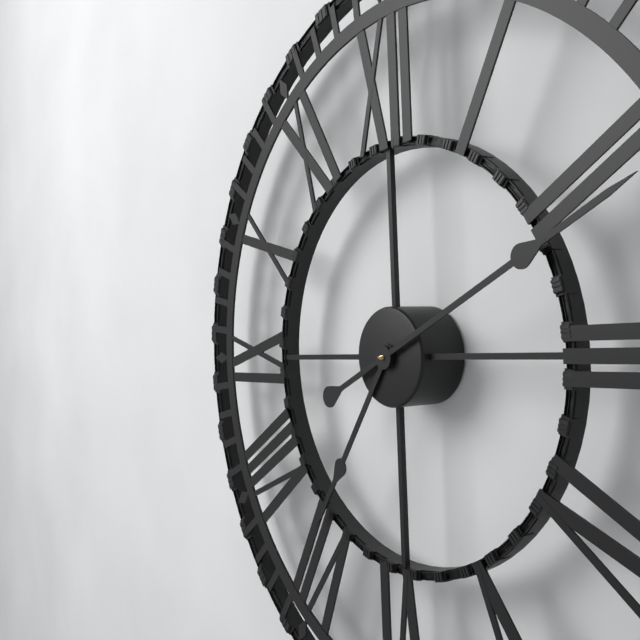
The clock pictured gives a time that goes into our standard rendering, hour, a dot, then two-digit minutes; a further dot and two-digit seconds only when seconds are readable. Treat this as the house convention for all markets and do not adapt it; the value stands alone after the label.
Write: 7.11
